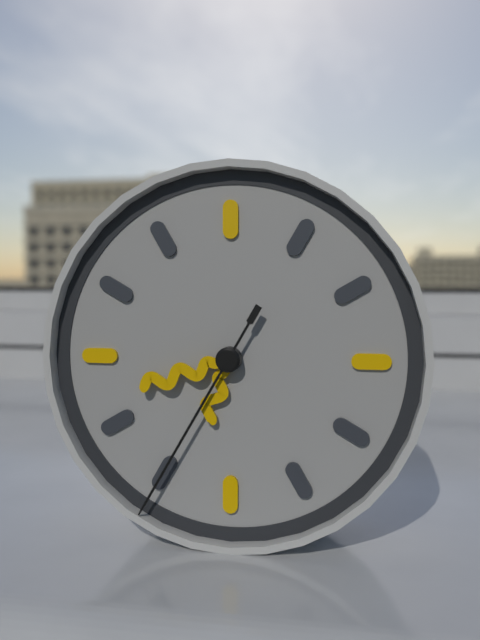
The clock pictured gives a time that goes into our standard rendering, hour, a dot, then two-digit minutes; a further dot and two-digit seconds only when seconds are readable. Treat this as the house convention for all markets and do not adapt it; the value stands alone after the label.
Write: 6.42.35
